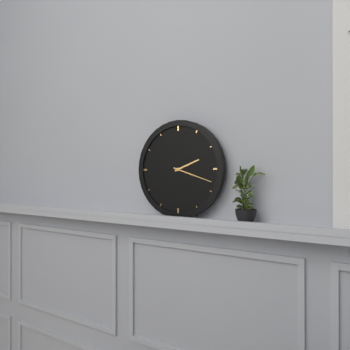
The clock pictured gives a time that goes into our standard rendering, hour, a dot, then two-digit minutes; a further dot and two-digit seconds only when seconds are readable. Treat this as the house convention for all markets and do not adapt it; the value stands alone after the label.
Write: 2.18
